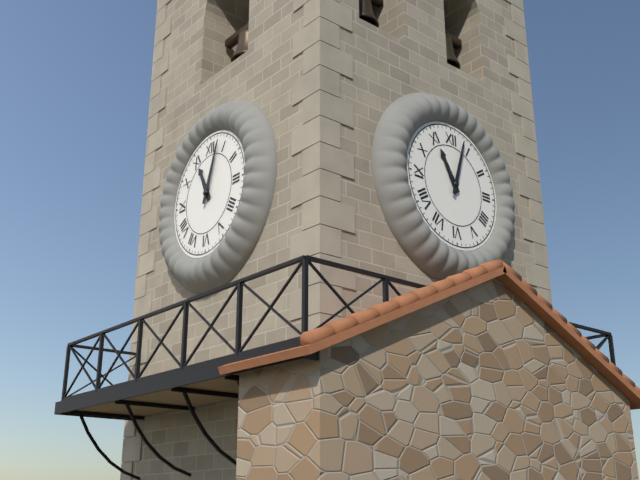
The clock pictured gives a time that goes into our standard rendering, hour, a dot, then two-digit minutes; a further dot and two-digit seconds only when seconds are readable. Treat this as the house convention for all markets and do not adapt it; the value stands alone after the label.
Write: 11.03
